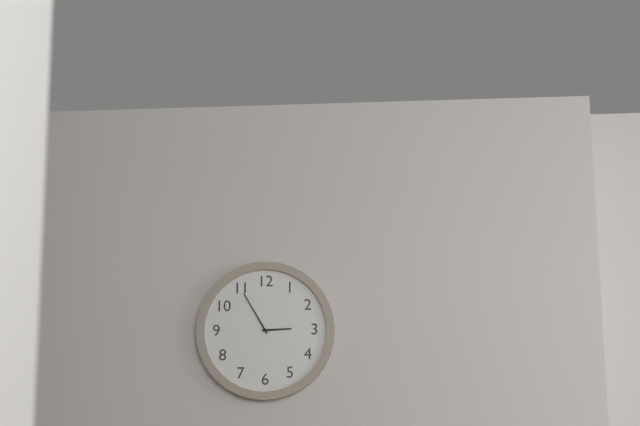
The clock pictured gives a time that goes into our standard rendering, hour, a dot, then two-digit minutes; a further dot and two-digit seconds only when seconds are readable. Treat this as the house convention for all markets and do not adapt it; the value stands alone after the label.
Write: 2.55
